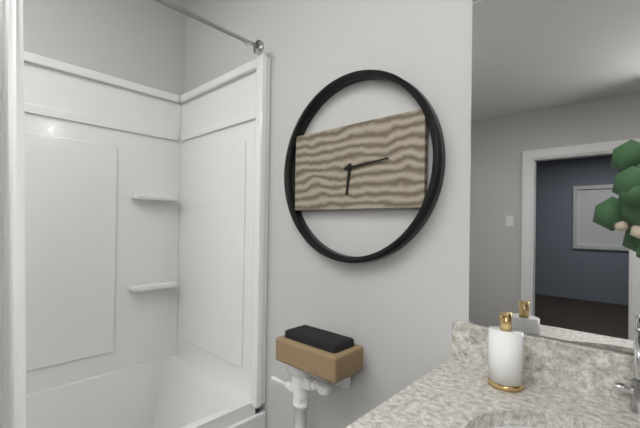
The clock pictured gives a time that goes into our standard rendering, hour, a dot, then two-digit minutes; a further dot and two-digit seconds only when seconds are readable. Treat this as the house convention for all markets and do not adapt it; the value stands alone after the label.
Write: 6.14
